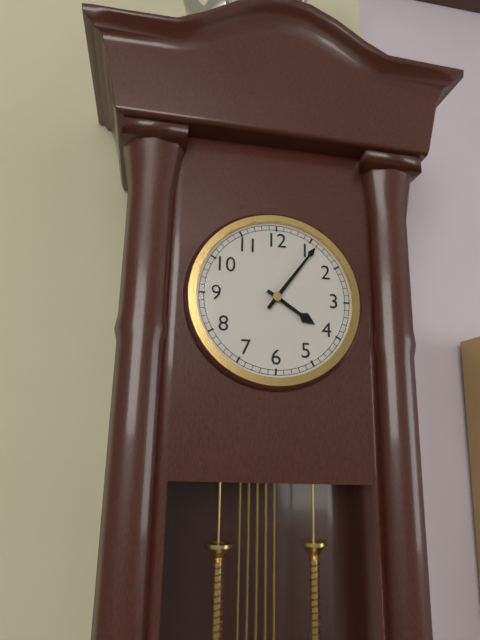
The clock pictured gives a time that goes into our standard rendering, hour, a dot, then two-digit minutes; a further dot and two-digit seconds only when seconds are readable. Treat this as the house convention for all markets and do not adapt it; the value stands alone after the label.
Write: 4.06
